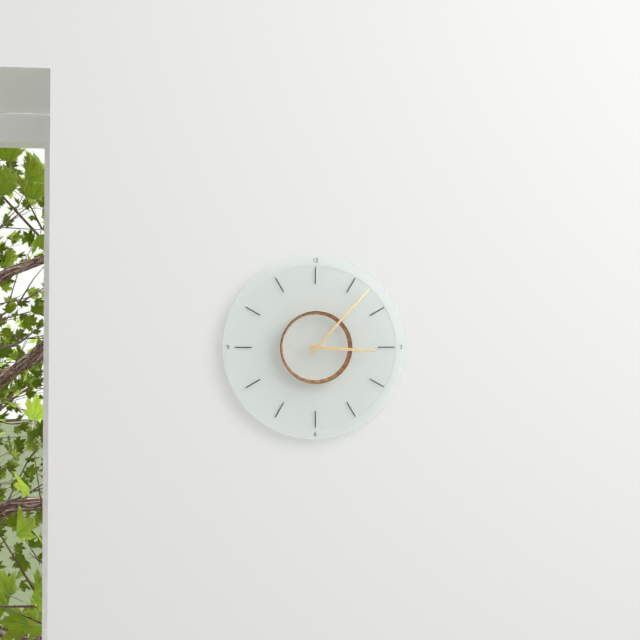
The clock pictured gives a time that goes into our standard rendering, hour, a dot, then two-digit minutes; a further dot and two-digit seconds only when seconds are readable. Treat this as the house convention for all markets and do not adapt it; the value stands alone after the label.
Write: 3.07
